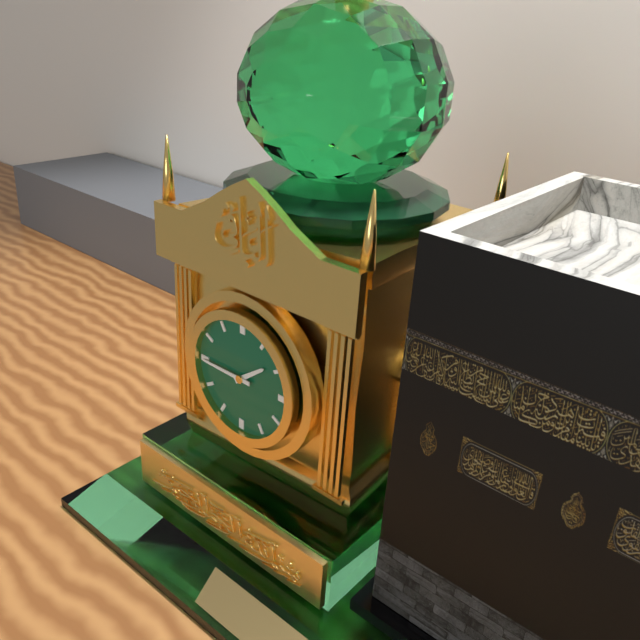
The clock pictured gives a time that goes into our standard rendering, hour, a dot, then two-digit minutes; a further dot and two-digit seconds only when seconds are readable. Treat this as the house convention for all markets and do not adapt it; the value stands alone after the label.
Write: 1.45
